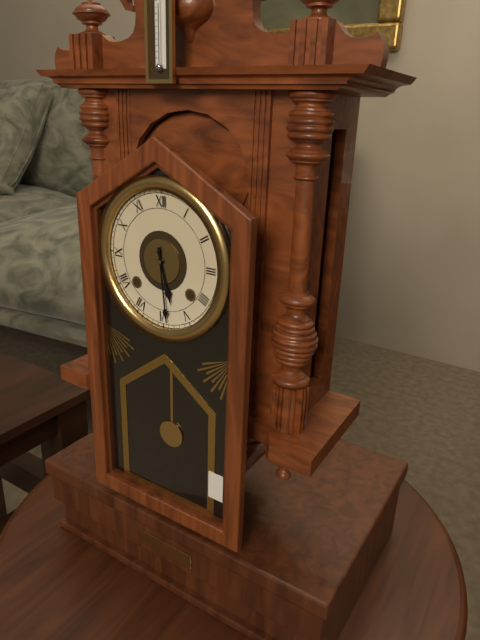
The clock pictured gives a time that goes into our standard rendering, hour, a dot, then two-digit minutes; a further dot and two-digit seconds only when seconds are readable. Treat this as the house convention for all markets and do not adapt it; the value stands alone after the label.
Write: 5.29
